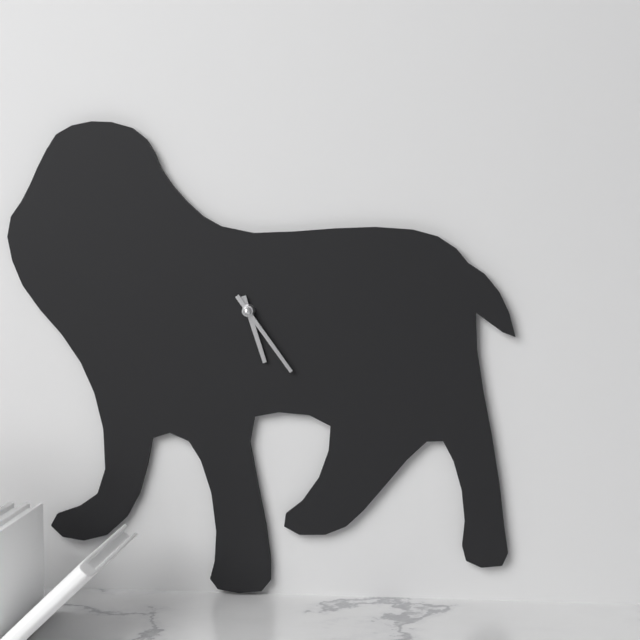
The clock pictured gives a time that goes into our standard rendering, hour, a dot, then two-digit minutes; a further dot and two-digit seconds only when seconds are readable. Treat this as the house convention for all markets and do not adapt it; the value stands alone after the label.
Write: 5.24
